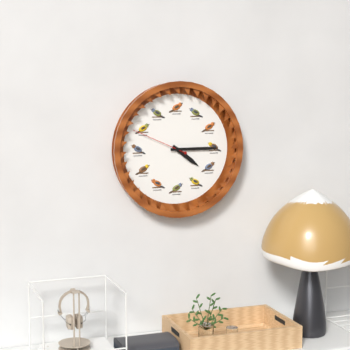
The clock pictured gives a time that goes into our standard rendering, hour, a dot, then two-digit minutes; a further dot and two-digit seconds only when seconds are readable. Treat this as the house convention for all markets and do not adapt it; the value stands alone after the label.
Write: 4.15.49
